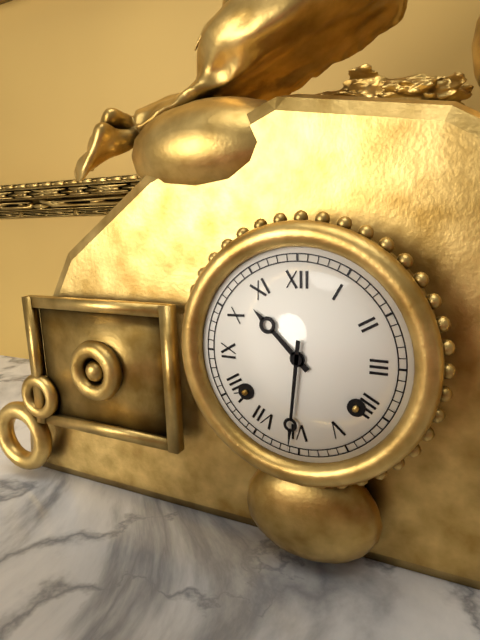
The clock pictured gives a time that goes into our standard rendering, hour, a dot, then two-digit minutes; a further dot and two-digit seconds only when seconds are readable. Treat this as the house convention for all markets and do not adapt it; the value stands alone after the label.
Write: 10.31
